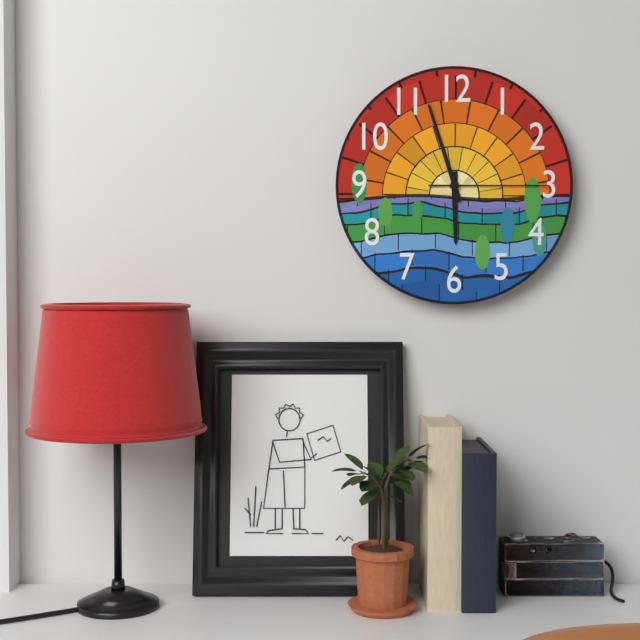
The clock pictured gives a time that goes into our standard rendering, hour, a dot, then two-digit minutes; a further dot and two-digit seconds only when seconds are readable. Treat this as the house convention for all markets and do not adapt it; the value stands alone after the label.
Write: 5.57.15
